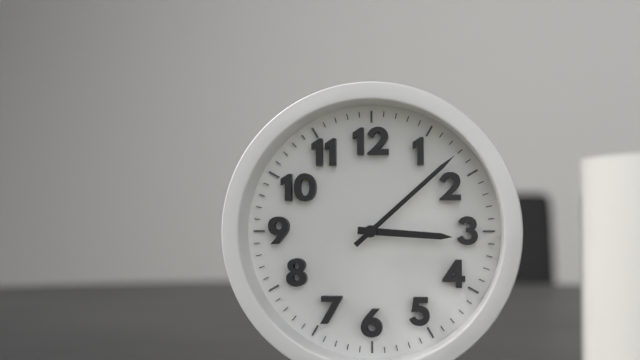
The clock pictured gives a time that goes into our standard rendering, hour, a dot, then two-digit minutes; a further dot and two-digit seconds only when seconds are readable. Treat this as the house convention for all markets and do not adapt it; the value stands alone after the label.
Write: 3.08
